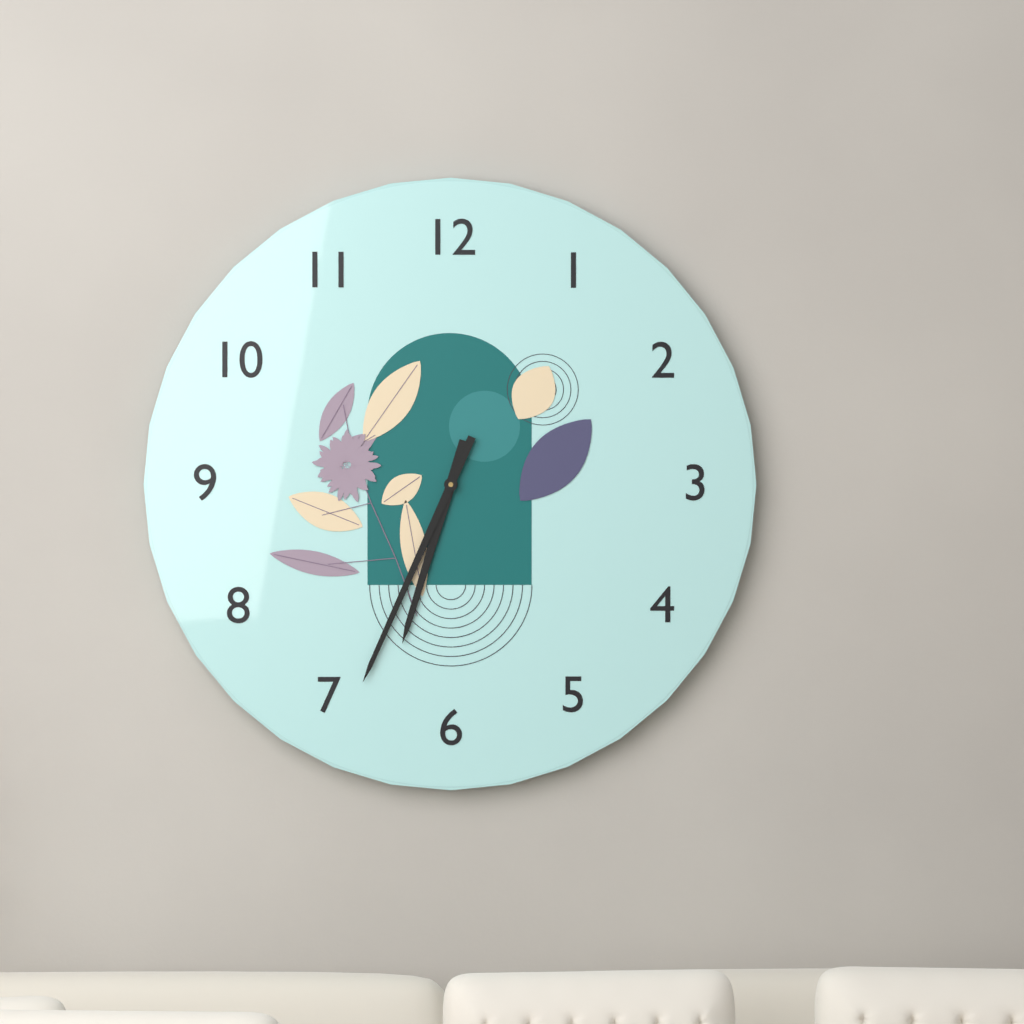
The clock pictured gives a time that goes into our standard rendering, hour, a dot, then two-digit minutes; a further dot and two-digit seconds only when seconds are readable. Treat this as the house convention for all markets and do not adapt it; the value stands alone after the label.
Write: 6.34
